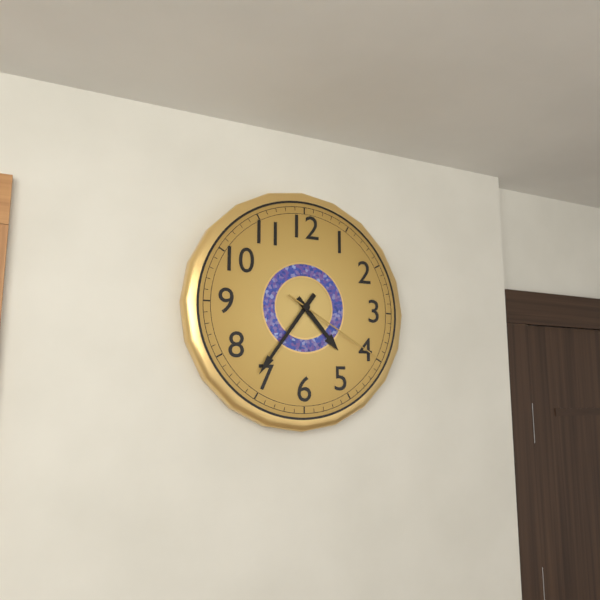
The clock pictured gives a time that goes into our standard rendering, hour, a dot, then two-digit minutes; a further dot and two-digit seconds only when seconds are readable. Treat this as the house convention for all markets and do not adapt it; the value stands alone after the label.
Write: 4.36.20
